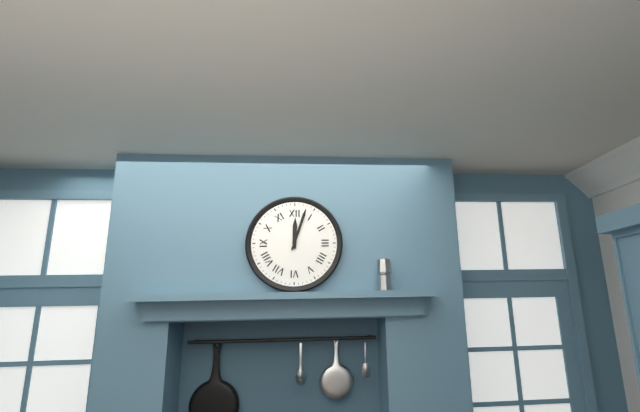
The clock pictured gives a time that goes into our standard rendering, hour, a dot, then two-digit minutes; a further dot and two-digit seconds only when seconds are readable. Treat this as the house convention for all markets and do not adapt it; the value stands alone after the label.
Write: 12.03
